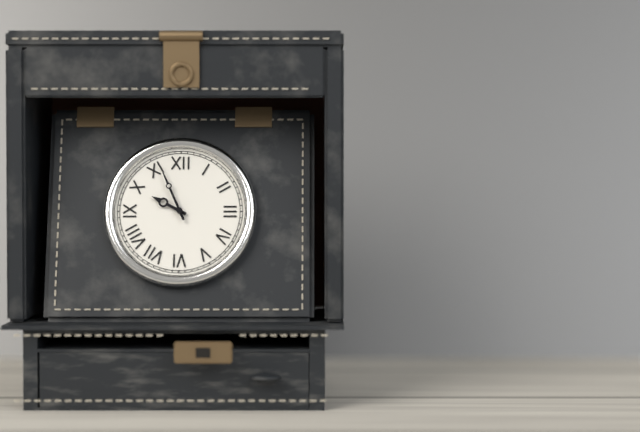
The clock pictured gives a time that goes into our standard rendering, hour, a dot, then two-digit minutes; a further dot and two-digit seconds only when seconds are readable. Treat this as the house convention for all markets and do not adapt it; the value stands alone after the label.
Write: 9.56
